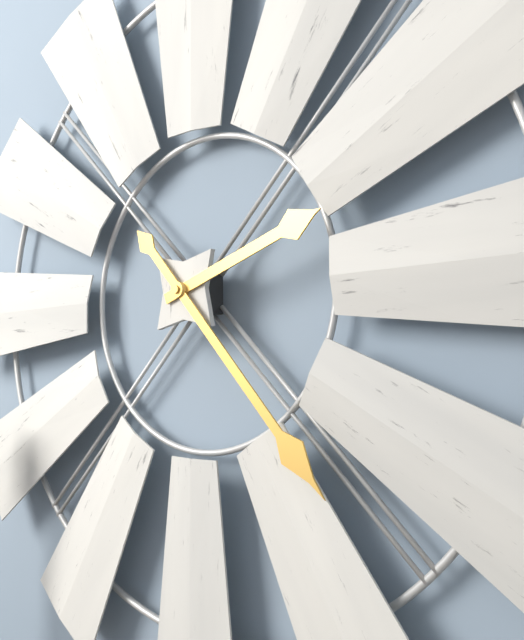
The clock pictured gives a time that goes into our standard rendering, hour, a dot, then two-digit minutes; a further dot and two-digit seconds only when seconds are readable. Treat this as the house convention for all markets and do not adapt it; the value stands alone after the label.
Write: 2.23
